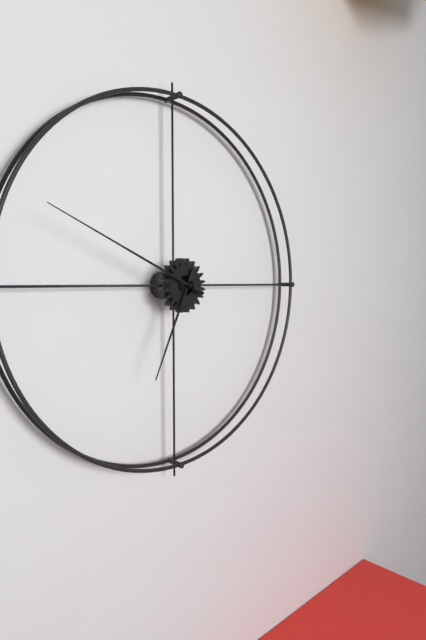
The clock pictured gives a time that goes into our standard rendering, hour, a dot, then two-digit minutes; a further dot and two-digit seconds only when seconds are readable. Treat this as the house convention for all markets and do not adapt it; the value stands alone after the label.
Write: 6.49
